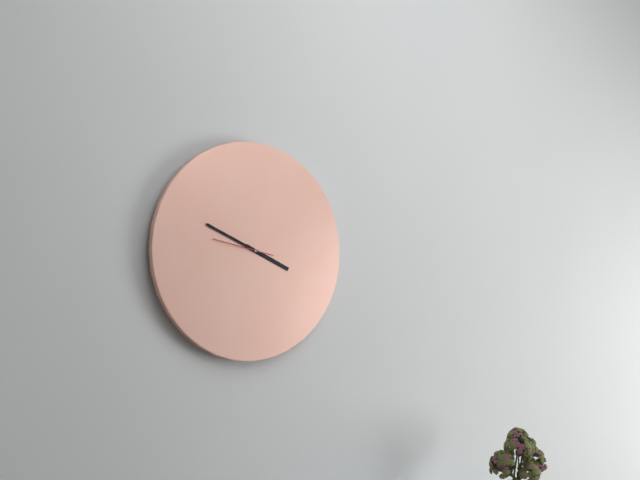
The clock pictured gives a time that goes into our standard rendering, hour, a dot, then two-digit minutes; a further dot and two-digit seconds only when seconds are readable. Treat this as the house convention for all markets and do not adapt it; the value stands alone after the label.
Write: 3.49.47
